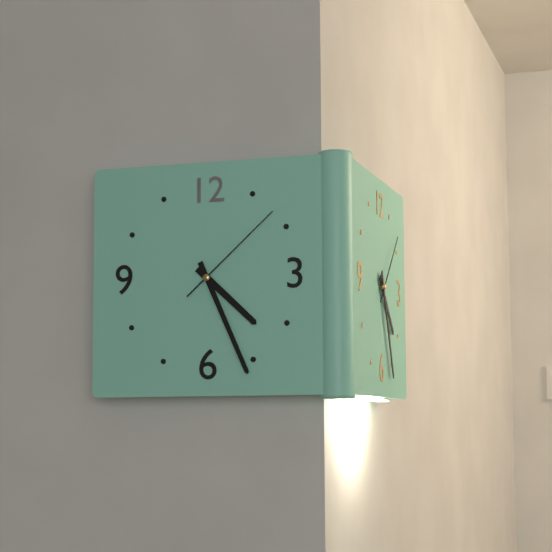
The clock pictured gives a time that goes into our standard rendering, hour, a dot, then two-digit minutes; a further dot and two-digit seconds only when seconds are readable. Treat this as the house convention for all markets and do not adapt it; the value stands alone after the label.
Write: 4.26.08
